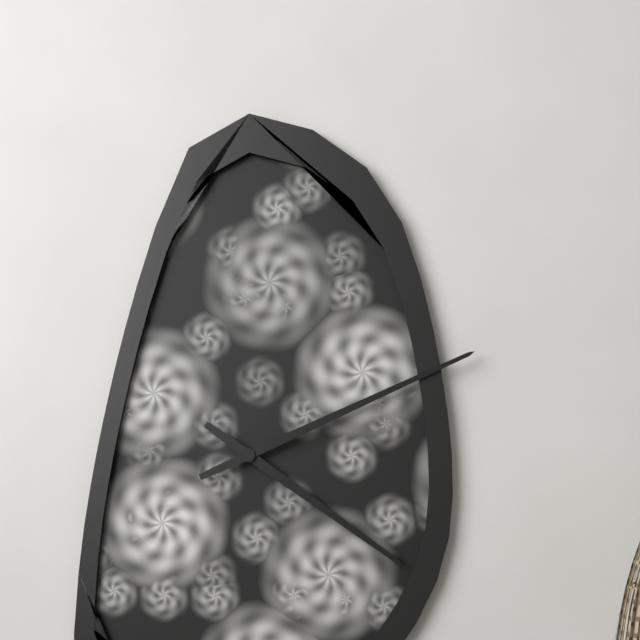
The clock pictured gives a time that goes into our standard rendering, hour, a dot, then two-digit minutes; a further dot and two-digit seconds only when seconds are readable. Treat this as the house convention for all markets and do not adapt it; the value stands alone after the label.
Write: 4.11
